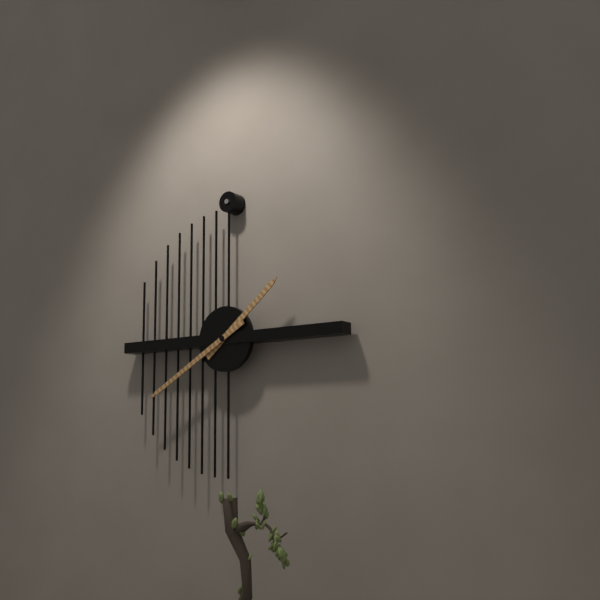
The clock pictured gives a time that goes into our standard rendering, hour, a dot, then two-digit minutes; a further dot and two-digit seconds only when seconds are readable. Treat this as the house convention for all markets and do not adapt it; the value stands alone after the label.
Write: 1.40
